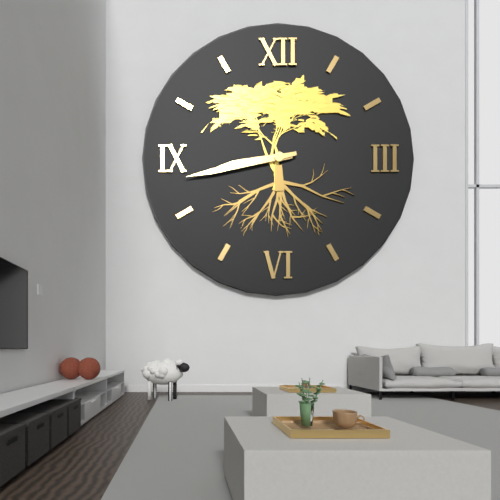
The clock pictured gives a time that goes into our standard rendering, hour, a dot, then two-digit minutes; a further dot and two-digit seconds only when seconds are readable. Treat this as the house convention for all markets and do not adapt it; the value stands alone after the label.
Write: 8.43
